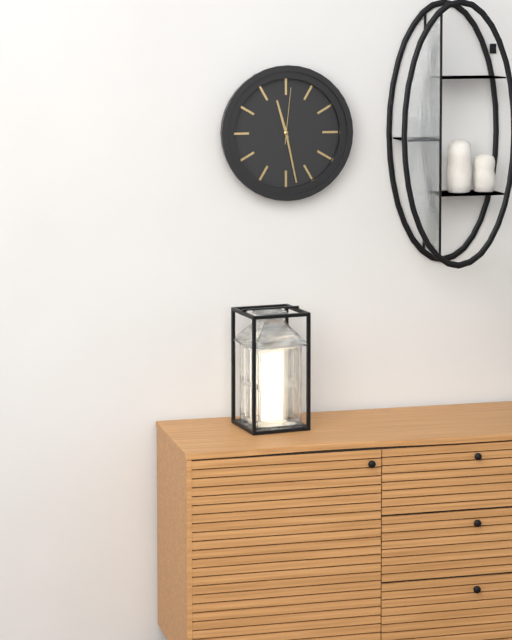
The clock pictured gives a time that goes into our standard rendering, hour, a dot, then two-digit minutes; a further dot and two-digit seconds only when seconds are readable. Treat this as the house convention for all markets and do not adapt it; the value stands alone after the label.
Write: 11.28.01
